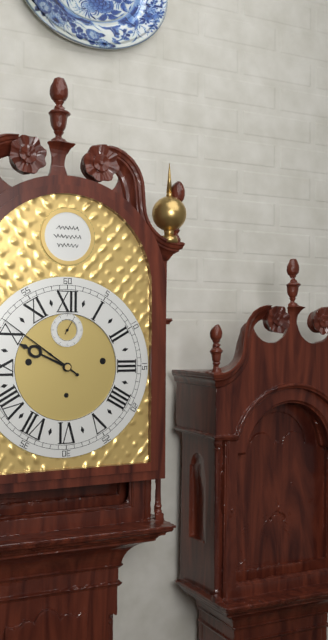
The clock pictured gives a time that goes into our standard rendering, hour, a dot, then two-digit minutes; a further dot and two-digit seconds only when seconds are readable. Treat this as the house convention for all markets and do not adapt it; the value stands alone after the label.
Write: 9.51
